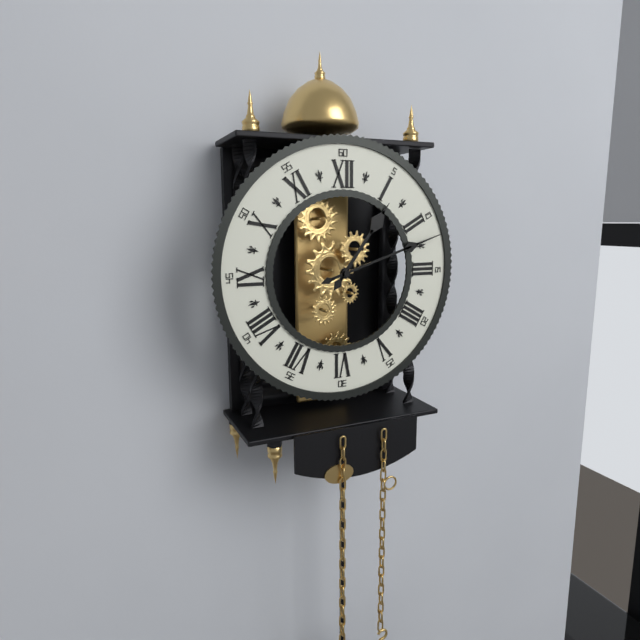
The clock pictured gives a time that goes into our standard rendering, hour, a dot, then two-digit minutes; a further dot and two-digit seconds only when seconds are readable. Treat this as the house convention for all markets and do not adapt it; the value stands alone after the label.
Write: 1.12
